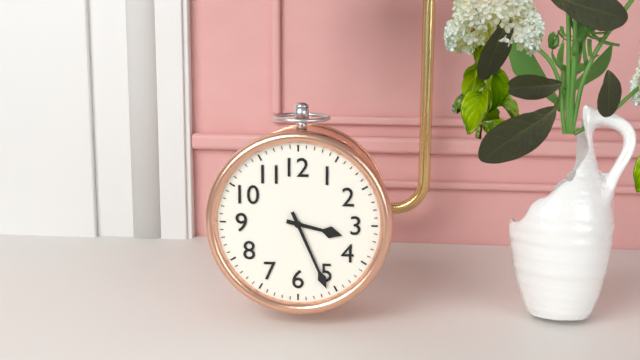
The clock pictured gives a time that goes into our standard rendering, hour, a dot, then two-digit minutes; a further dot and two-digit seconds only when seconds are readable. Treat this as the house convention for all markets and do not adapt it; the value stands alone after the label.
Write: 3.26
